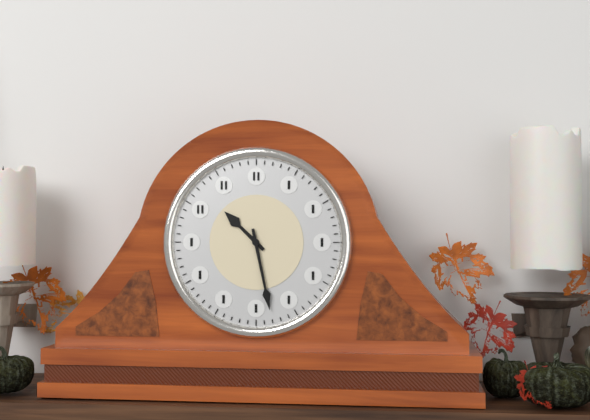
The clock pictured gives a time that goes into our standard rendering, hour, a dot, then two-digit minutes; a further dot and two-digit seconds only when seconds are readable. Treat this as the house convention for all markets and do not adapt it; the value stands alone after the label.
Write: 10.28
